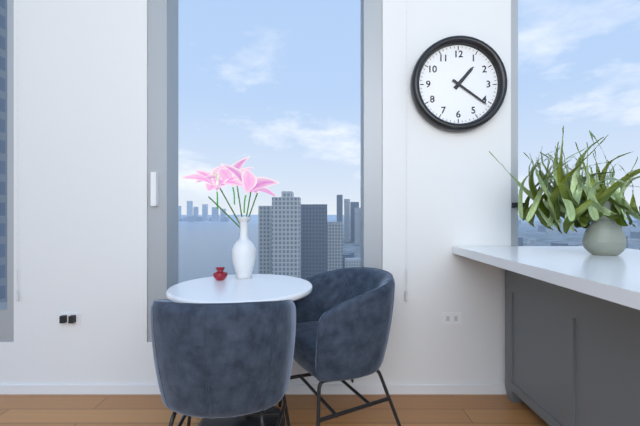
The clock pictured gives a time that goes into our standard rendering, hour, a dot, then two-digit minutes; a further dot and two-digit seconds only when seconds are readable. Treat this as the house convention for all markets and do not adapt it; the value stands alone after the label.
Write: 1.21
